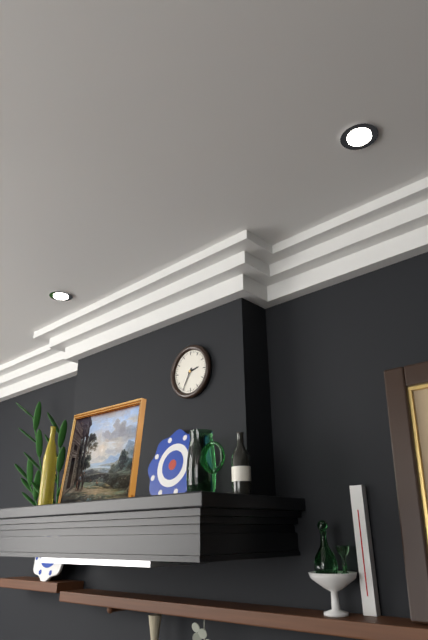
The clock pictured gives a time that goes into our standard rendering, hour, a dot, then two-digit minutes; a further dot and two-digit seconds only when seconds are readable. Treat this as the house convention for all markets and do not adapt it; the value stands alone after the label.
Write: 2.35
